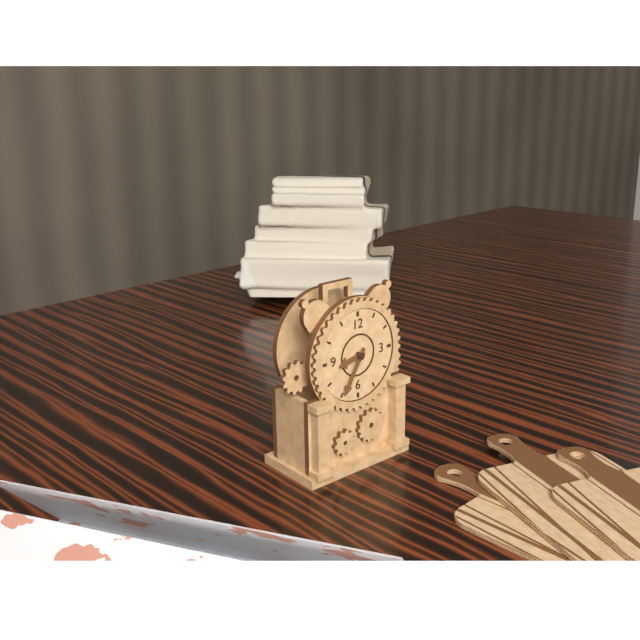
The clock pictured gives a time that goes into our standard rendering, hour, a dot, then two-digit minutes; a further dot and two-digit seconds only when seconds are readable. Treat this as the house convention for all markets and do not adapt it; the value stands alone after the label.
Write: 8.35
